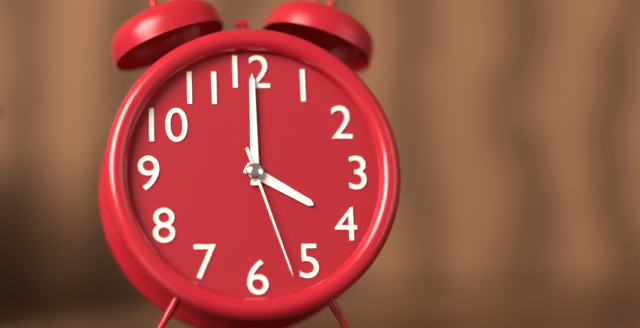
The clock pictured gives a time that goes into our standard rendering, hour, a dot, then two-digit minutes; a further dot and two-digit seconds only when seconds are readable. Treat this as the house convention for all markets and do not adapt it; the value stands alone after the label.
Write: 4.00.27
